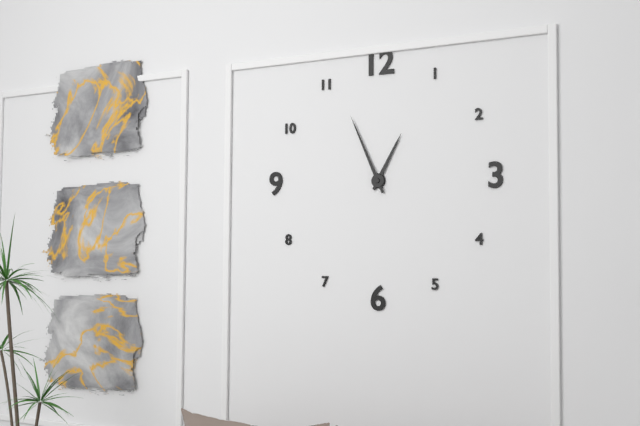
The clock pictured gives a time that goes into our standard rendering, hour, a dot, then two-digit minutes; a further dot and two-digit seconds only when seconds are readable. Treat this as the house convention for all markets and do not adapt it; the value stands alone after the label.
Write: 12.56
